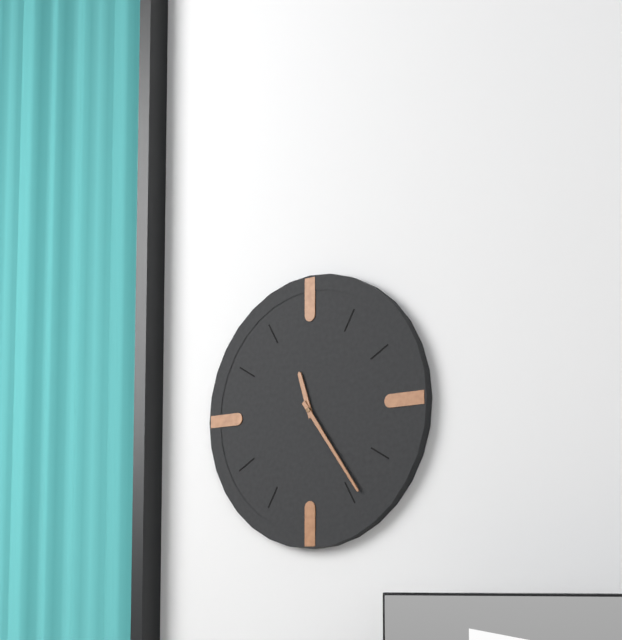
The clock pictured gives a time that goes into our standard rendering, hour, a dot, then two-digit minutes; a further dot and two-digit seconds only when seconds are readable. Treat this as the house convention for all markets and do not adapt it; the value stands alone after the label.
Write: 11.24
